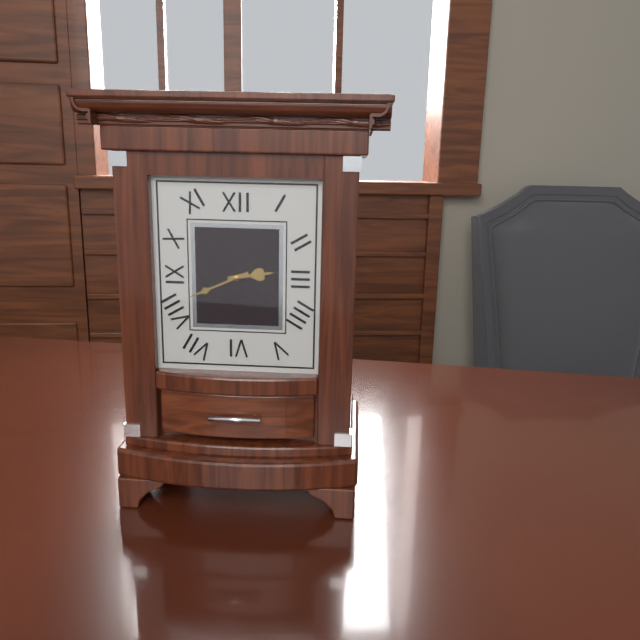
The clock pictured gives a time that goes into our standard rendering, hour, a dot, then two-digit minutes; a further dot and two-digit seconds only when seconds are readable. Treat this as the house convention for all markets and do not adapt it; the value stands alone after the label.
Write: 2.41
